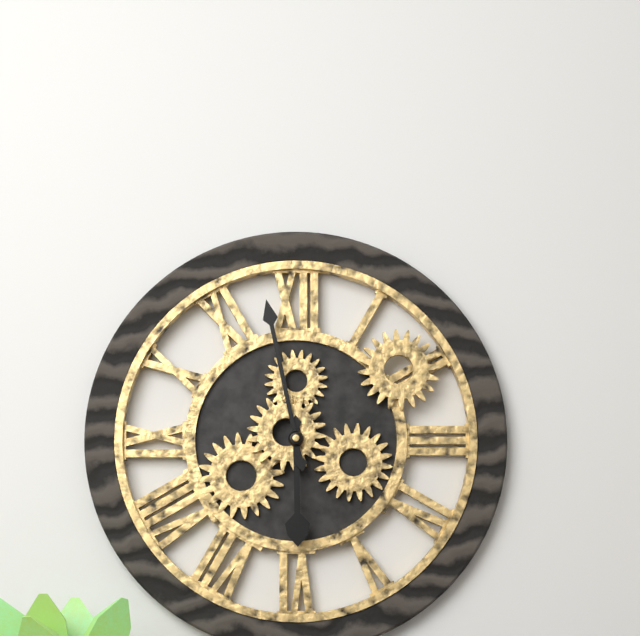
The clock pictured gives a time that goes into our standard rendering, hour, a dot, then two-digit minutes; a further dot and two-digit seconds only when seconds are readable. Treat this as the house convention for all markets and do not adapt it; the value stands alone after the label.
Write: 5.58
